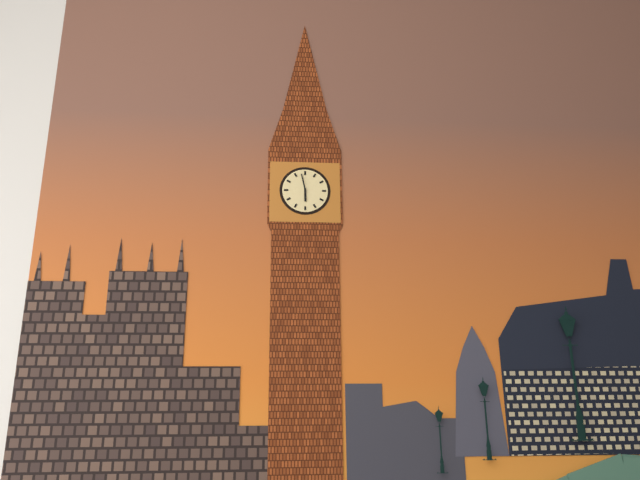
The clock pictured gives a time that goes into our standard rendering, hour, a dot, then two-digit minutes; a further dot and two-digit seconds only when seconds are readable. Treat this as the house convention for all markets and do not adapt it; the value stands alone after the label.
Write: 5.58
